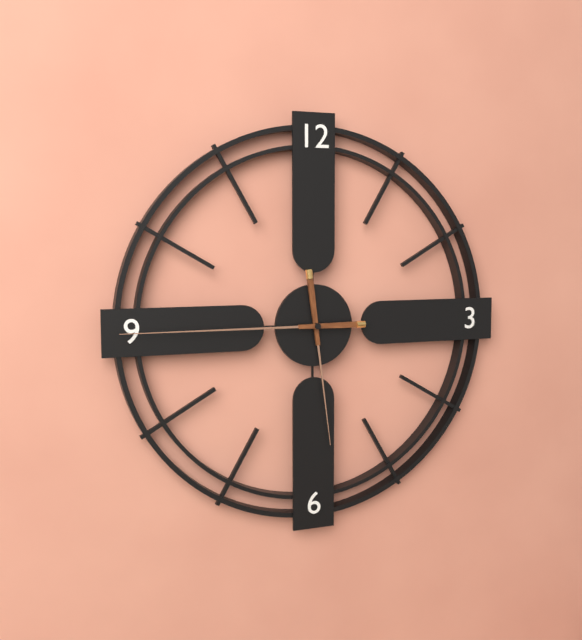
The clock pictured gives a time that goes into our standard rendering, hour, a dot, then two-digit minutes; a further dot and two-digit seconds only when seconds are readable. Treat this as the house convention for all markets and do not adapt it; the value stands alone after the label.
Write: 5.45
